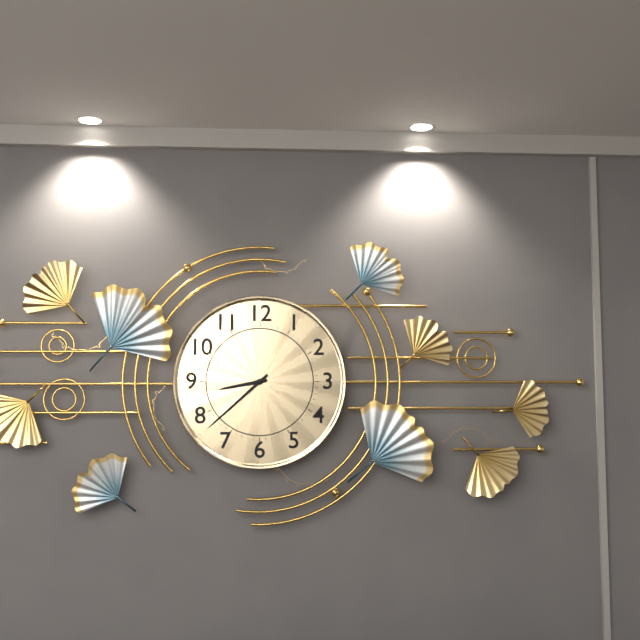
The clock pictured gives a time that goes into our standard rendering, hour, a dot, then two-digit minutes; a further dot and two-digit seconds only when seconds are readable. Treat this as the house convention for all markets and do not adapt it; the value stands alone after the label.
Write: 8.38
